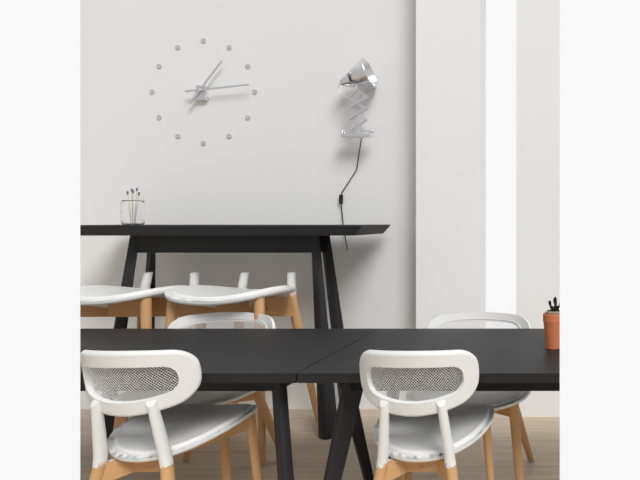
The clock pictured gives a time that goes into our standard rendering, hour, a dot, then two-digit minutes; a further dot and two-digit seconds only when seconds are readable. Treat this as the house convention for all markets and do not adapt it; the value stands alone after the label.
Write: 1.14
